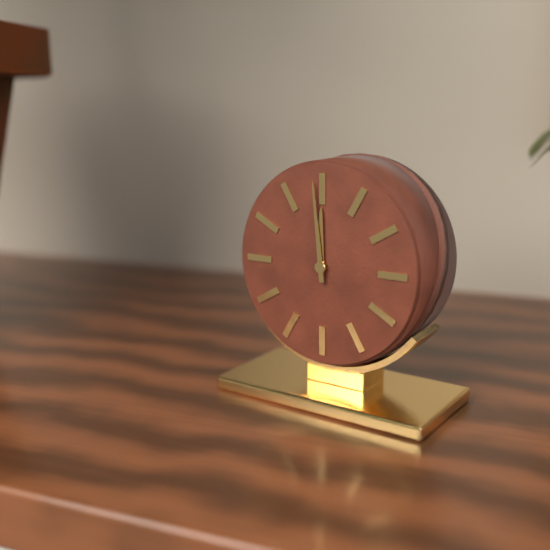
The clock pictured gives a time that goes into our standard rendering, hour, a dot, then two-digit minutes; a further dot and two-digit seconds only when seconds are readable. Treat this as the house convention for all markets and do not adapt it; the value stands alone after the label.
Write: 11.59
